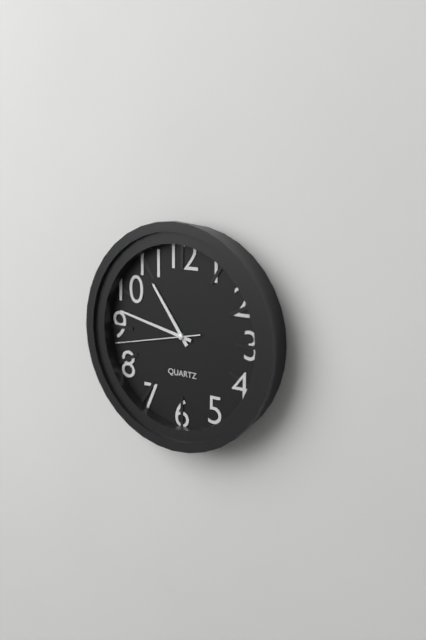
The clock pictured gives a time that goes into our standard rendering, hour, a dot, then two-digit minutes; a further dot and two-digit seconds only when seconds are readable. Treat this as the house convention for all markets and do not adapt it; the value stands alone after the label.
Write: 10.47.43
